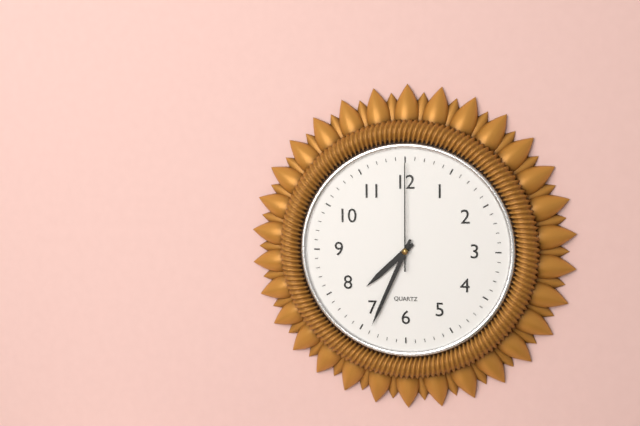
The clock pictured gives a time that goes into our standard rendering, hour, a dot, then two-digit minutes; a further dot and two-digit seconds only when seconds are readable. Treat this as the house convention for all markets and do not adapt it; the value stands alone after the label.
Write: 7.34.00
